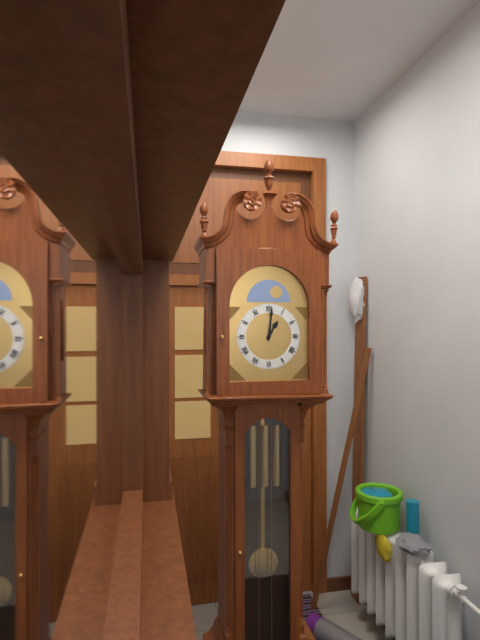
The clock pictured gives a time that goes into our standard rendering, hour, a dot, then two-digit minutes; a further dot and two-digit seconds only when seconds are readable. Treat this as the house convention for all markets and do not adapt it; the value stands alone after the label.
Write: 1.01
